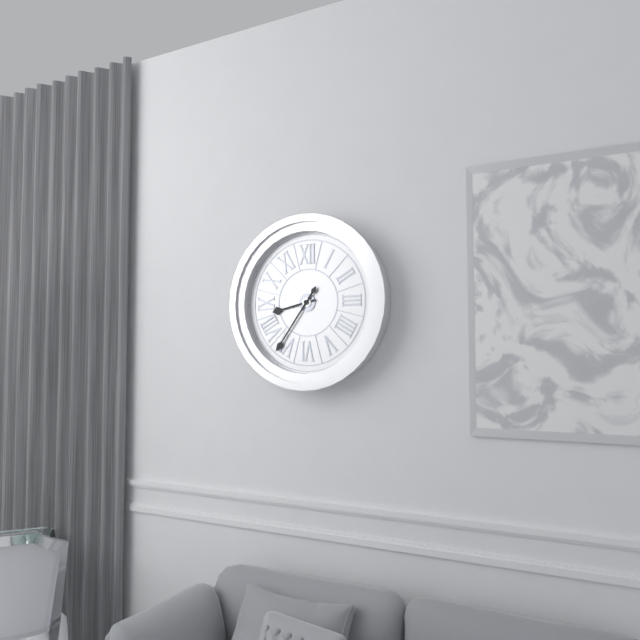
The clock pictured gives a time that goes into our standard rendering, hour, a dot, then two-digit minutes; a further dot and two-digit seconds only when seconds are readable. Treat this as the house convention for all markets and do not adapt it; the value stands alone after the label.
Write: 8.36
